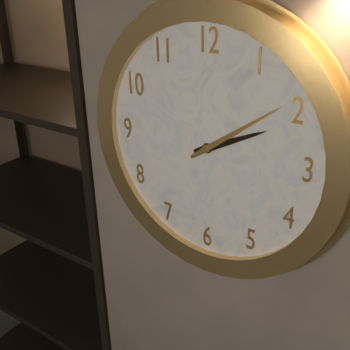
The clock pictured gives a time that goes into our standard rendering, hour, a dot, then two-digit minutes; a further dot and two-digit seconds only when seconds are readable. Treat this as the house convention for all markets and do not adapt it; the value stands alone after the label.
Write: 2.09
